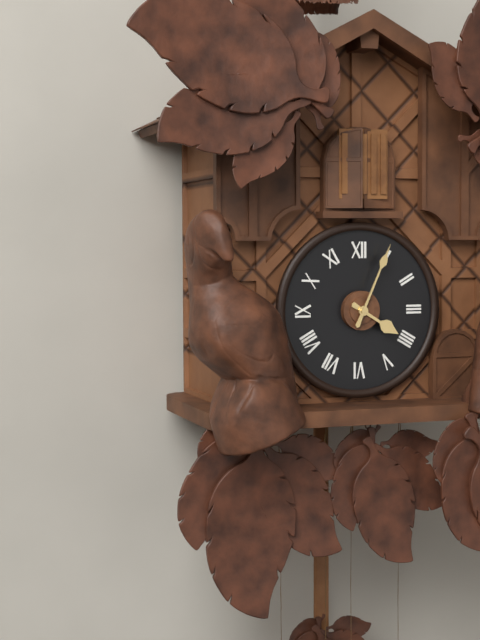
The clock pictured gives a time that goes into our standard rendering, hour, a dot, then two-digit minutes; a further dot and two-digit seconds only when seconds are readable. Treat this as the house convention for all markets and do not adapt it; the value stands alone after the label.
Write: 4.04
